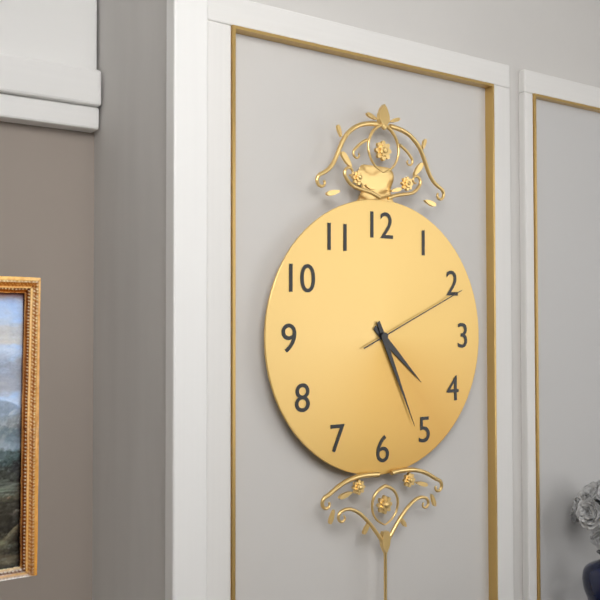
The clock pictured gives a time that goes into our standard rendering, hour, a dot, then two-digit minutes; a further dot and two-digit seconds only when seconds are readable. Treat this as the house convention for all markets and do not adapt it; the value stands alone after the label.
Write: 4.26.11
